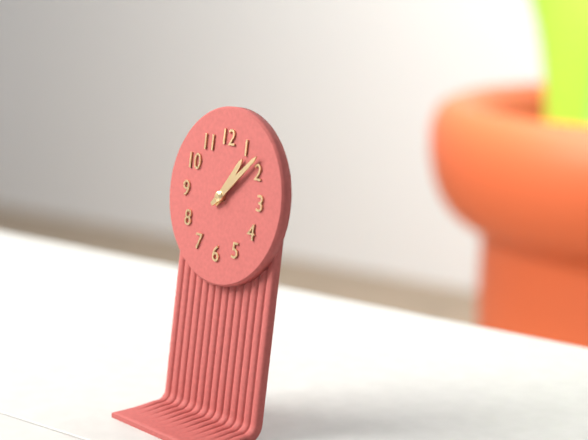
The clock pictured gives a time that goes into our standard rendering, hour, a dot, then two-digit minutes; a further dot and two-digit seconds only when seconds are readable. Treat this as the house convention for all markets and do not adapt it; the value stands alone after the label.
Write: 1.08
